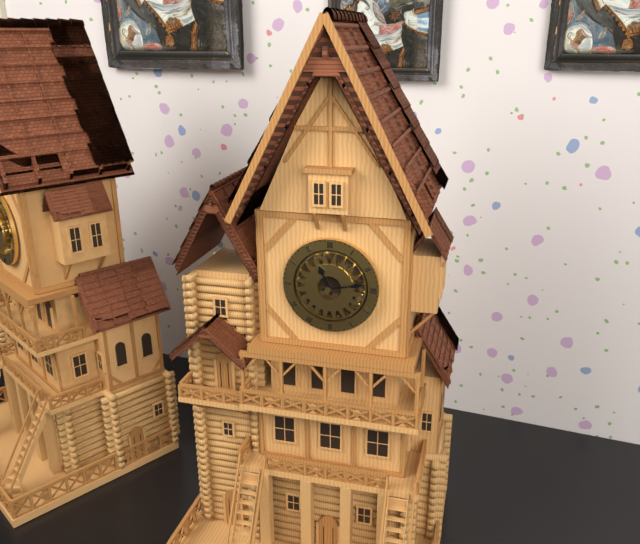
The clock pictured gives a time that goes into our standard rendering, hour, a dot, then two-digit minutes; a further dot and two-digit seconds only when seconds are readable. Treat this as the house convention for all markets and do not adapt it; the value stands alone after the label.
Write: 11.13
